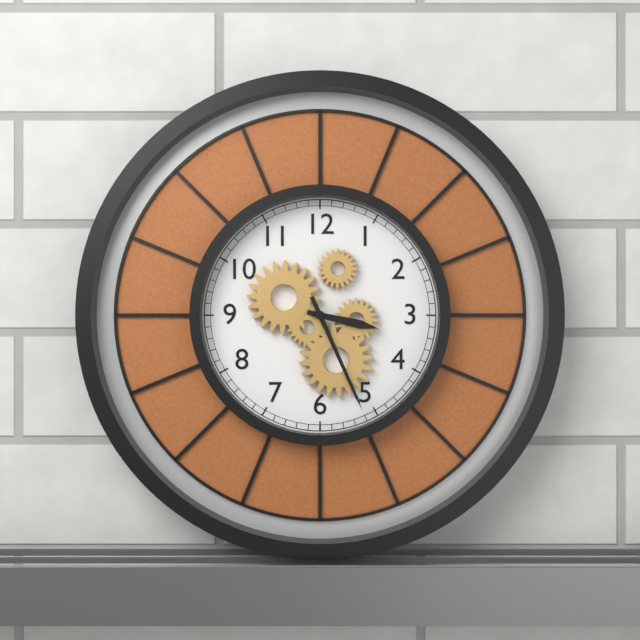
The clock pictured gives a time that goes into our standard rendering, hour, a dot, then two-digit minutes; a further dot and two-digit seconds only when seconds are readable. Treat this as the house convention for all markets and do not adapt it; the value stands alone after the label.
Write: 3.26
